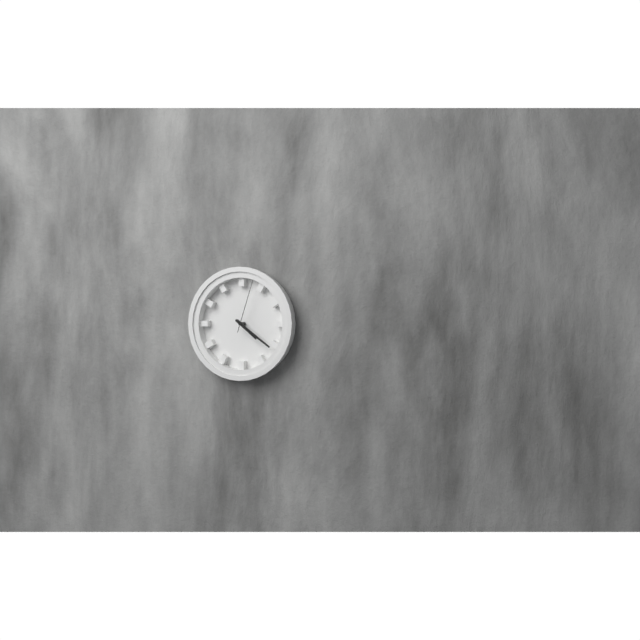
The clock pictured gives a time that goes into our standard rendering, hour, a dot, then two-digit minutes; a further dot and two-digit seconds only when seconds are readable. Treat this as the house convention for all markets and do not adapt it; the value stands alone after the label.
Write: 4.21.03
